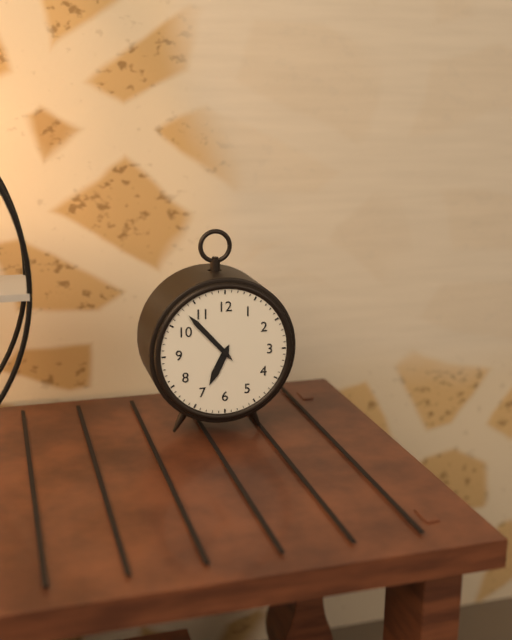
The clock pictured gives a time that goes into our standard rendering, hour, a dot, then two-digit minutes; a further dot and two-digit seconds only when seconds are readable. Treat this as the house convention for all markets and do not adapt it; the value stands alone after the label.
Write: 6.53
